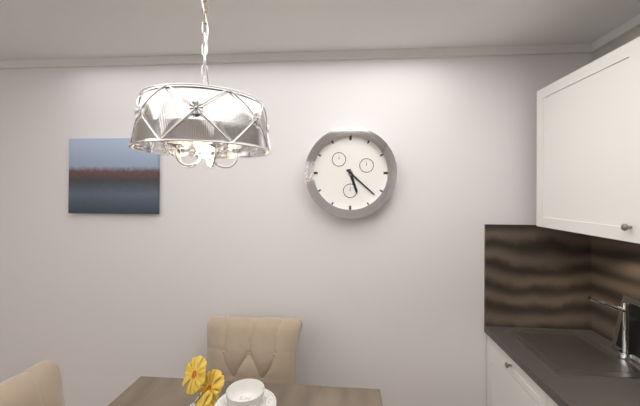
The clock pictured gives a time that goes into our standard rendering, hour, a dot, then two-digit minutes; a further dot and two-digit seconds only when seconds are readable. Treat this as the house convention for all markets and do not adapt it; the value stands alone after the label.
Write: 5.22
